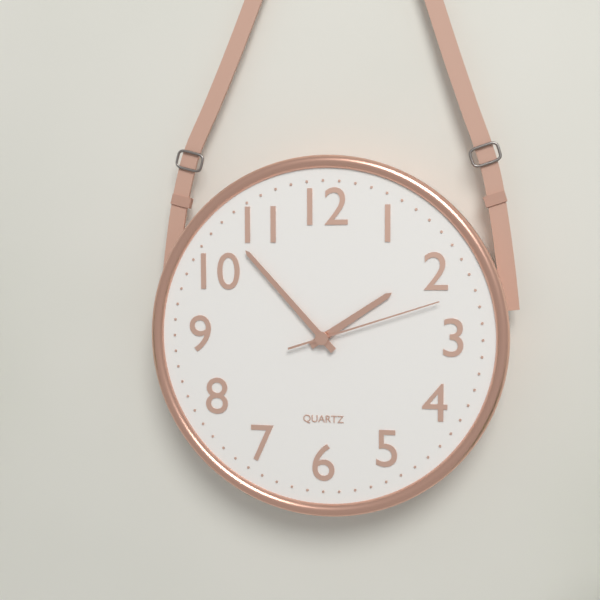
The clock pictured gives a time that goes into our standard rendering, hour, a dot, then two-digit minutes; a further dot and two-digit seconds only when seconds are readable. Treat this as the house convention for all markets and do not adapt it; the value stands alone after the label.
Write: 1.53.12
